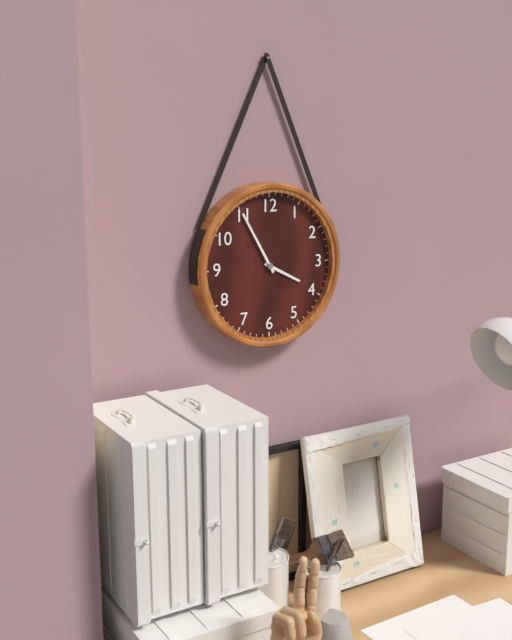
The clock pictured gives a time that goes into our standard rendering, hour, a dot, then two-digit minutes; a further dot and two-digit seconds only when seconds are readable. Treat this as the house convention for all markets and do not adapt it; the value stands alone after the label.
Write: 3.55
